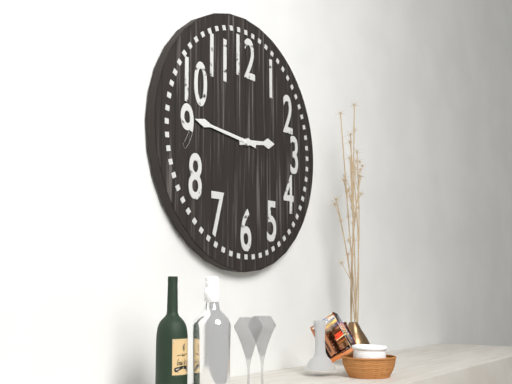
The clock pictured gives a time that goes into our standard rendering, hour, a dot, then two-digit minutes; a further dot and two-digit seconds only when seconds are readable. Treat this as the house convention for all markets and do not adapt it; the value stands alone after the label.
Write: 2.46
